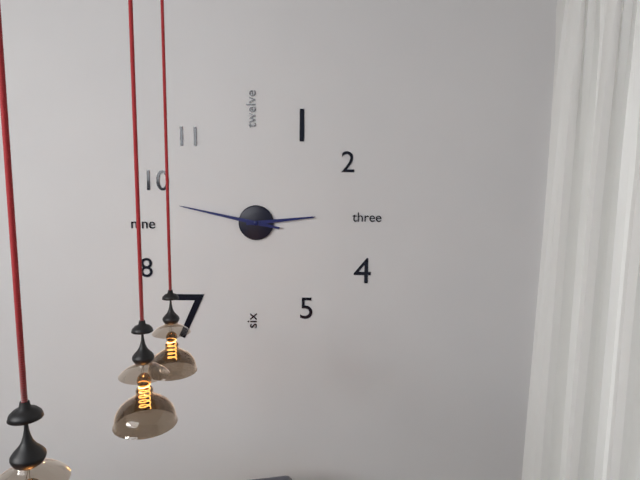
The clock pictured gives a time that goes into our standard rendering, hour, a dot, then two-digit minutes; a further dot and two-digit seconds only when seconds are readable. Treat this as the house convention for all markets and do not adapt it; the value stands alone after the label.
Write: 2.47
